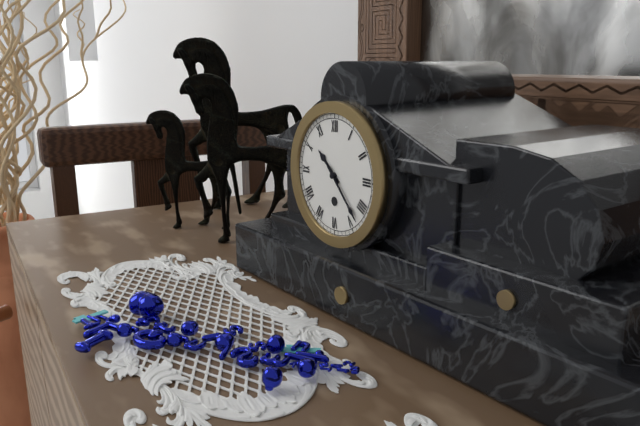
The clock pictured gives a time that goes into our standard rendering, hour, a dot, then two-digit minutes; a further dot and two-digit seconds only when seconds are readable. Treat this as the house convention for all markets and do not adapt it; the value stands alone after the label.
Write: 10.23
